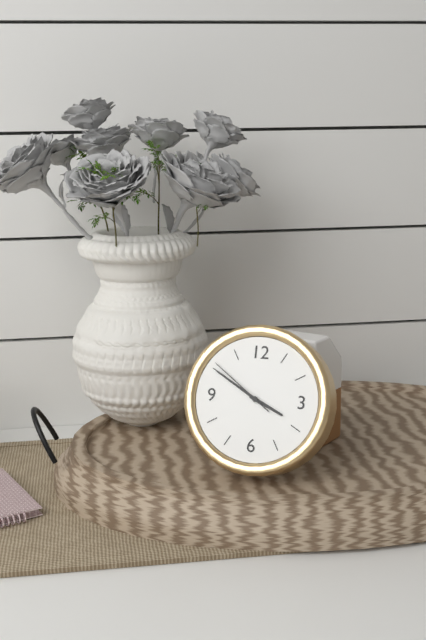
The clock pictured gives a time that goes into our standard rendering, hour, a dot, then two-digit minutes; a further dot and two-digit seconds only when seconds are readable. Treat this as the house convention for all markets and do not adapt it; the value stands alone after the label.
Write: 3.50.51
